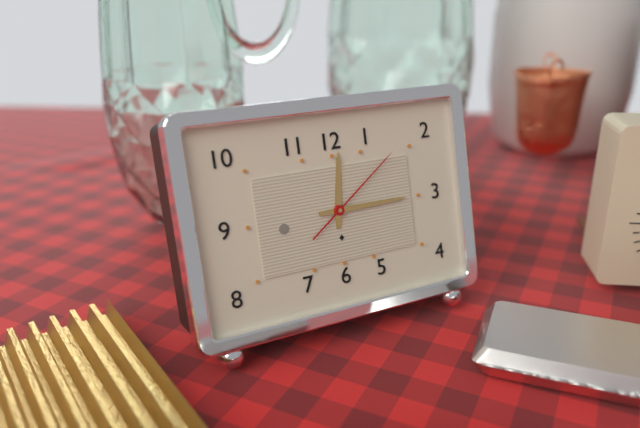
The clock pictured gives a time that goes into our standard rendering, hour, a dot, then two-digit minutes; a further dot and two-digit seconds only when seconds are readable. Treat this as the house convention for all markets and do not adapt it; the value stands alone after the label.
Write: 12.15.09
